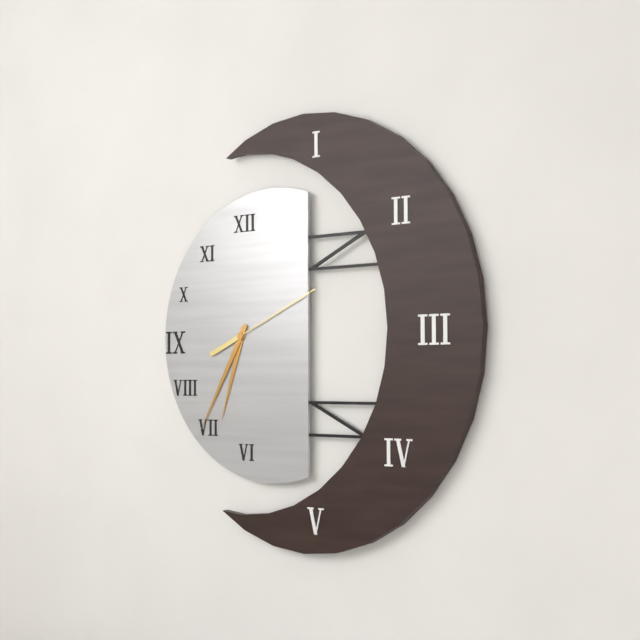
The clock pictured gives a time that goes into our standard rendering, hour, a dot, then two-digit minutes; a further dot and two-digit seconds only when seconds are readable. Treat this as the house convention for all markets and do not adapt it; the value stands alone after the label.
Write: 6.35.11
